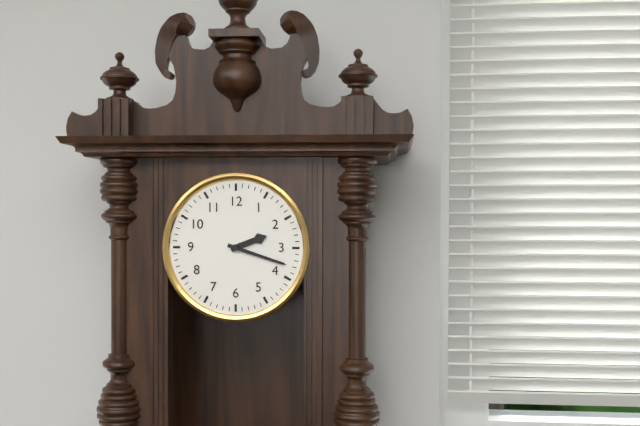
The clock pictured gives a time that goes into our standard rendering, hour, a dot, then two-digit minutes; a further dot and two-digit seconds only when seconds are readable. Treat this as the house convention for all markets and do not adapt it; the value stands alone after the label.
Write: 2.18
